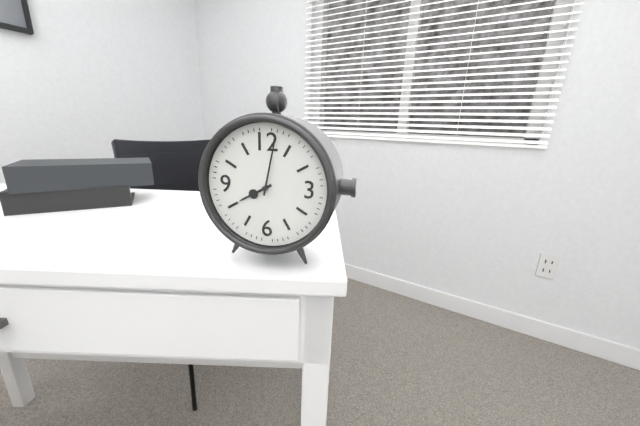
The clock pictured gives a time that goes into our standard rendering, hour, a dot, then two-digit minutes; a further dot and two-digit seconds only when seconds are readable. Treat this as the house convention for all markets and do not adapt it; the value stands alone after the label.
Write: 8.02
